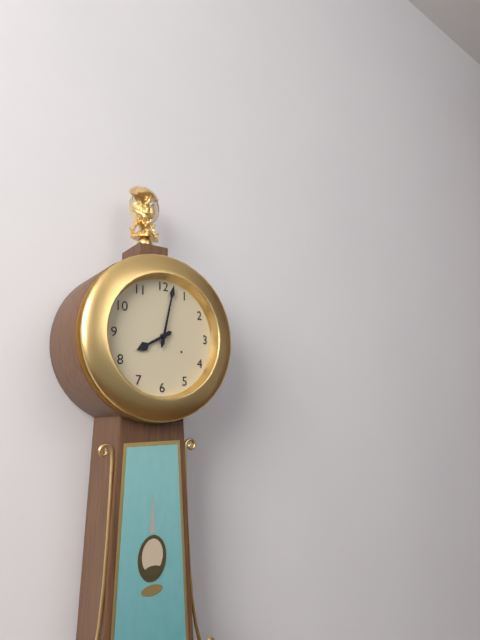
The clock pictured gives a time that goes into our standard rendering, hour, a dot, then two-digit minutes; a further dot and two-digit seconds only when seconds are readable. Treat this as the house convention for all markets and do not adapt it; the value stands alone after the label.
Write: 8.02
